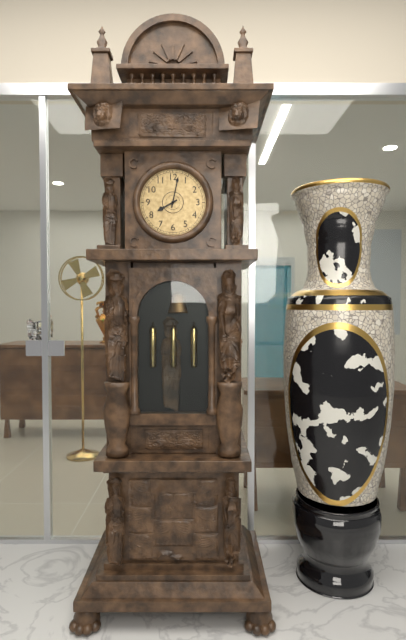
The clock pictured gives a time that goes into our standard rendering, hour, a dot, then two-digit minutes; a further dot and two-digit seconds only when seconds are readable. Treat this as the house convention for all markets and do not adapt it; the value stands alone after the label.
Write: 8.02
